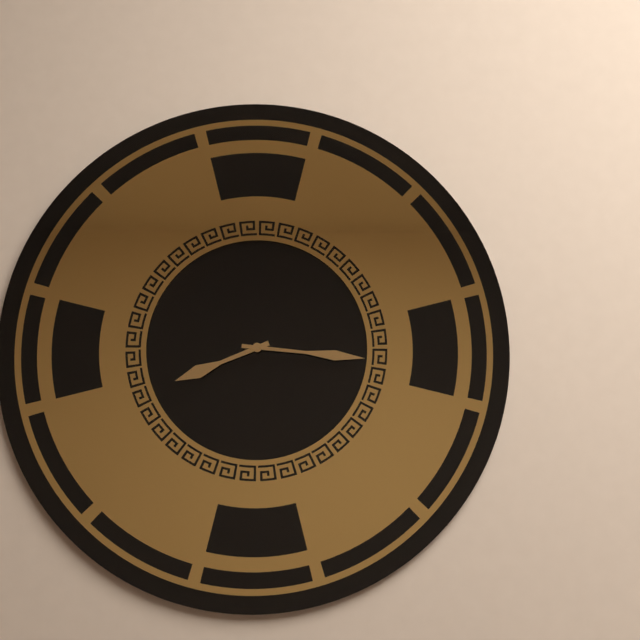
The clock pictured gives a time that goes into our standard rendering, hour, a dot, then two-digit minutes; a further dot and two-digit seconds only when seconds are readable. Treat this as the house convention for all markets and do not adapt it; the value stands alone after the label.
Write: 8.16
